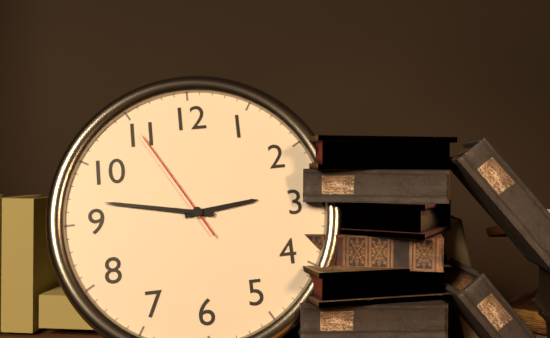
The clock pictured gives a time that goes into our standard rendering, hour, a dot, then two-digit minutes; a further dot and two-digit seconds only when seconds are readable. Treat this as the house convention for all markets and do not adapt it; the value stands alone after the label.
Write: 2.47.55
